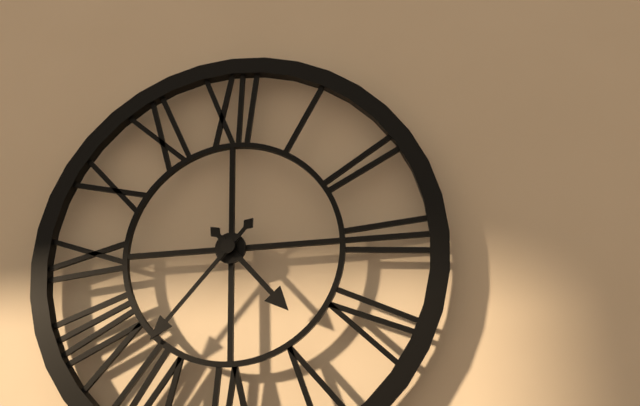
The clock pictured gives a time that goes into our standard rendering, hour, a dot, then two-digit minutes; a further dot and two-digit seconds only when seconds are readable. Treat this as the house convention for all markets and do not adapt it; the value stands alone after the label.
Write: 4.37
